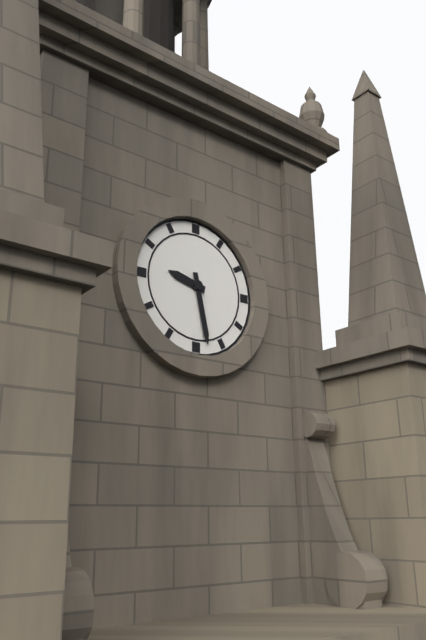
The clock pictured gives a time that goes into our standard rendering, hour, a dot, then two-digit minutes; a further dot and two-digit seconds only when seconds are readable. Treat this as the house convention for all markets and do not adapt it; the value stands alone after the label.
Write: 9.28
